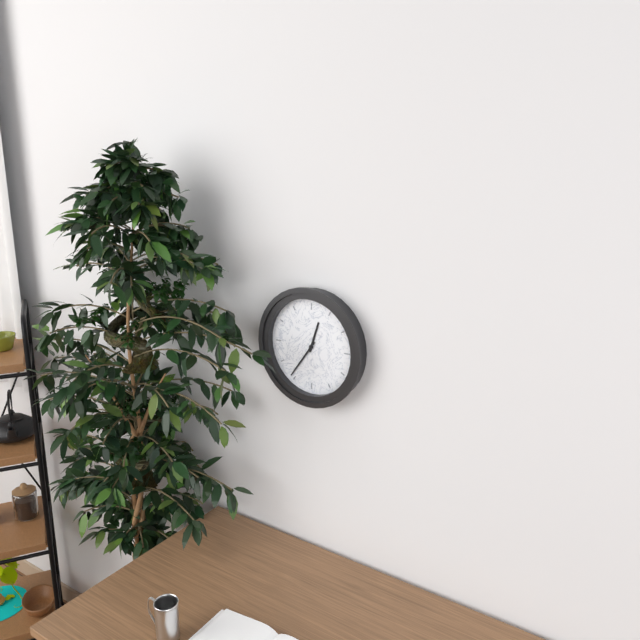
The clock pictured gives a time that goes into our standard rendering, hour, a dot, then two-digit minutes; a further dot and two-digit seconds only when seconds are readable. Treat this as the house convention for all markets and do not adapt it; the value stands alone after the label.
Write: 12.36
